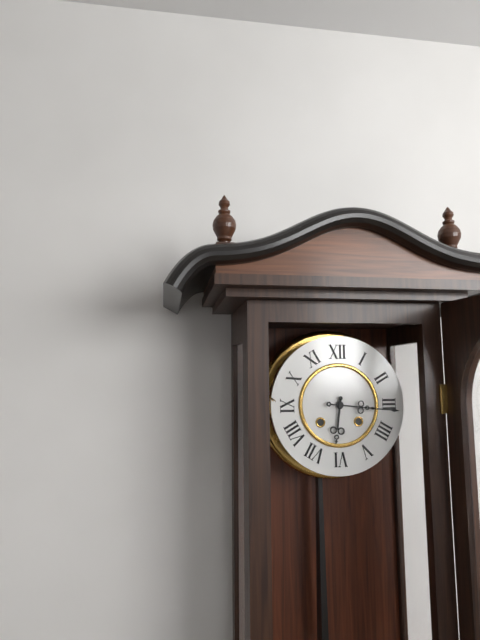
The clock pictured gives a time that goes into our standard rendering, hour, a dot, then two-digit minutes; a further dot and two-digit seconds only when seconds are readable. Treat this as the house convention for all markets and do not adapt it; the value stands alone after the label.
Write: 6.16
